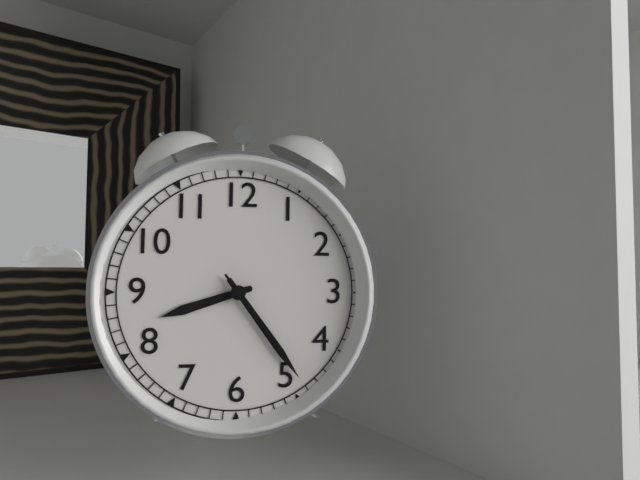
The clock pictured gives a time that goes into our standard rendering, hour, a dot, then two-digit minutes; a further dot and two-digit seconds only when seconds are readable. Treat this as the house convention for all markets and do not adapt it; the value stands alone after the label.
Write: 8.24.24
